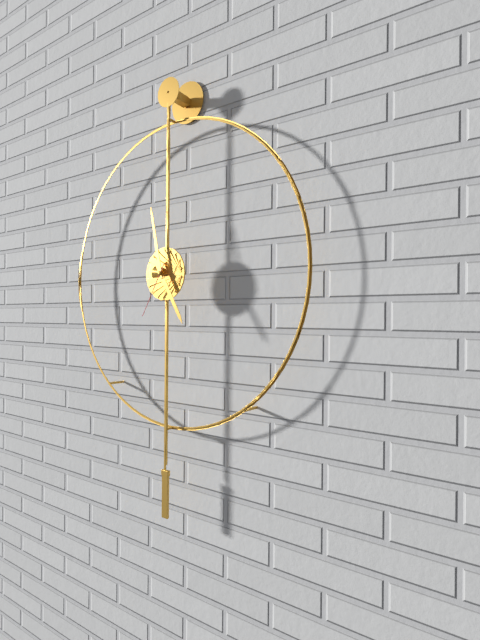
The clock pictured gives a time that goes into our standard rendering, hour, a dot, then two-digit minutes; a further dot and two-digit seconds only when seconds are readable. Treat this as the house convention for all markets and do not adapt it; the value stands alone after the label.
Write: 4.58.35
